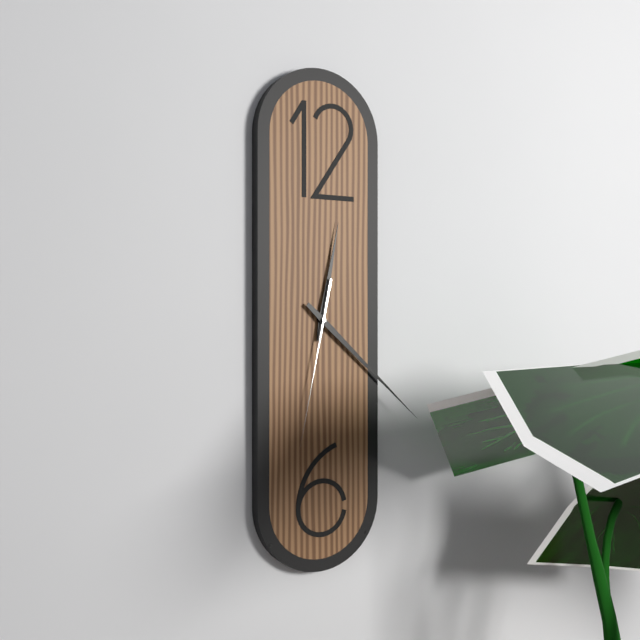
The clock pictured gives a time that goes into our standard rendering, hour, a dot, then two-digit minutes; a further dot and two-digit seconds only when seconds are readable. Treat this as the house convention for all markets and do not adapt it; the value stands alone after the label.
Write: 12.22.32
